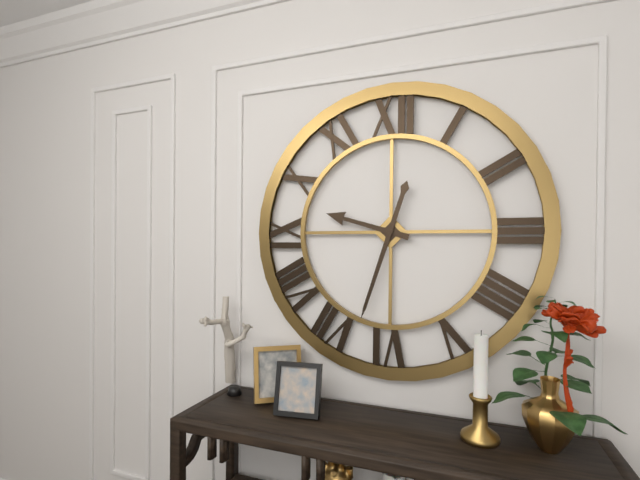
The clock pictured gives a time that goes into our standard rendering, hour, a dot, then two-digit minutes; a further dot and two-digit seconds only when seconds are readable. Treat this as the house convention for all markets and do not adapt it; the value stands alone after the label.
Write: 9.33
